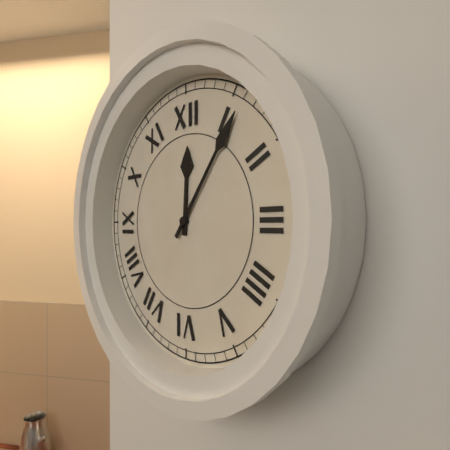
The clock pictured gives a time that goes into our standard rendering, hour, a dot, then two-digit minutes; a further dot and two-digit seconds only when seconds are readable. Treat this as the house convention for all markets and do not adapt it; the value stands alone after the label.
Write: 12.06
